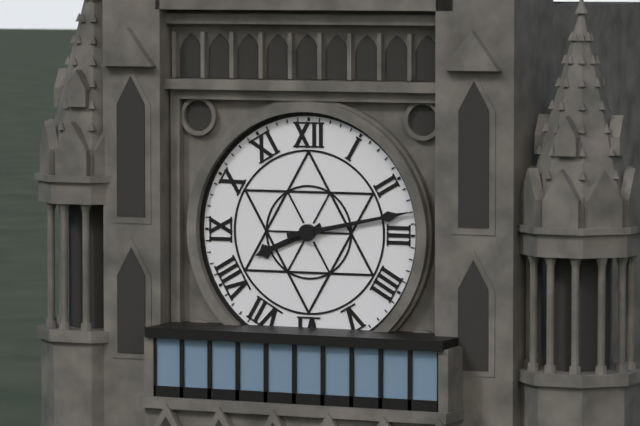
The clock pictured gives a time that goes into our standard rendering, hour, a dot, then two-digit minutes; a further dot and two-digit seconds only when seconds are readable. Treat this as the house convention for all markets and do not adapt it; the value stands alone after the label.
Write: 8.13
